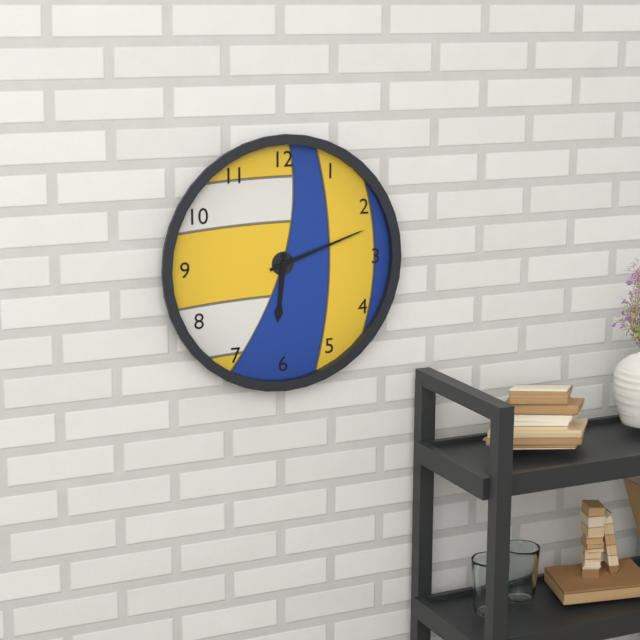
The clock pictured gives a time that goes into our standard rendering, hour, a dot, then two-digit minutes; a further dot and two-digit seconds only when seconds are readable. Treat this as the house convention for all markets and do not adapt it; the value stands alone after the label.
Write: 6.12
